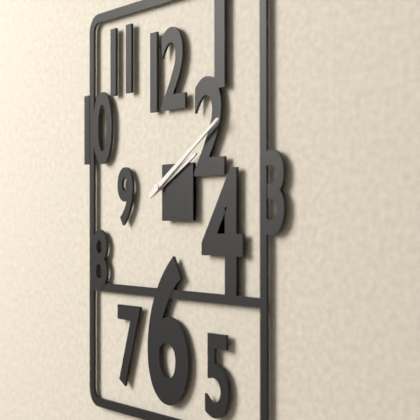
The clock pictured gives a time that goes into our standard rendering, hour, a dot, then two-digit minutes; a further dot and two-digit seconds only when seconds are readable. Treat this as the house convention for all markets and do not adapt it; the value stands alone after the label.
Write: 2.10
